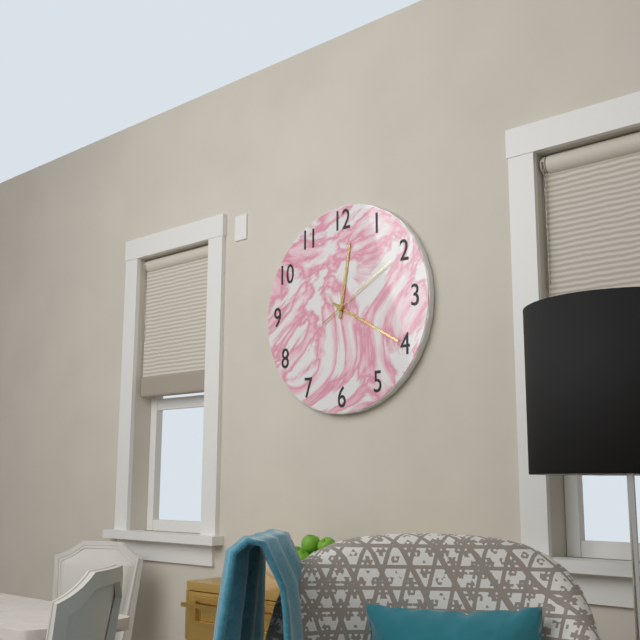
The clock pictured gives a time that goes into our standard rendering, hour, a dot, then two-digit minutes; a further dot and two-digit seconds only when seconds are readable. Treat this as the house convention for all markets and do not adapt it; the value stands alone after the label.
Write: 12.20.10
